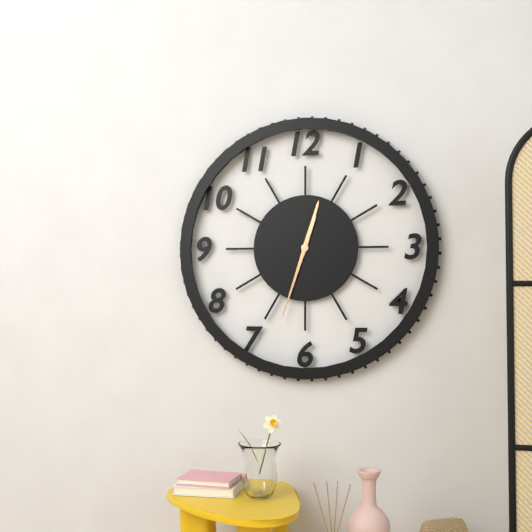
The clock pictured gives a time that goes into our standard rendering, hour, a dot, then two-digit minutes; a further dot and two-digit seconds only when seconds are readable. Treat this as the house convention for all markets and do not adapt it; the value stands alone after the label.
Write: 12.33
